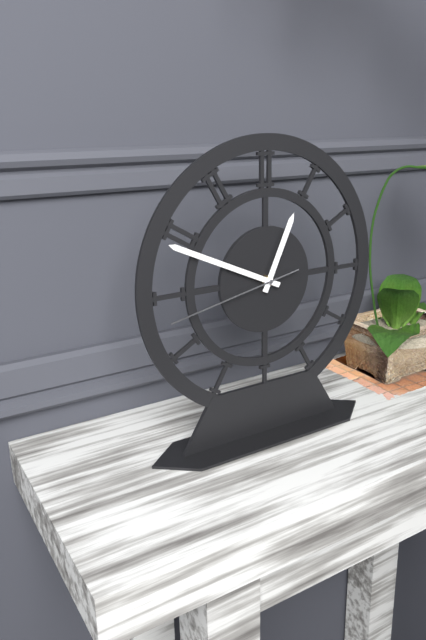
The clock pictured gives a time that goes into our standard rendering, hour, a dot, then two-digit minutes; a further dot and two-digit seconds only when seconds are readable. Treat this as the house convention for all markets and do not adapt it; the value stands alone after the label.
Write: 12.49.43
